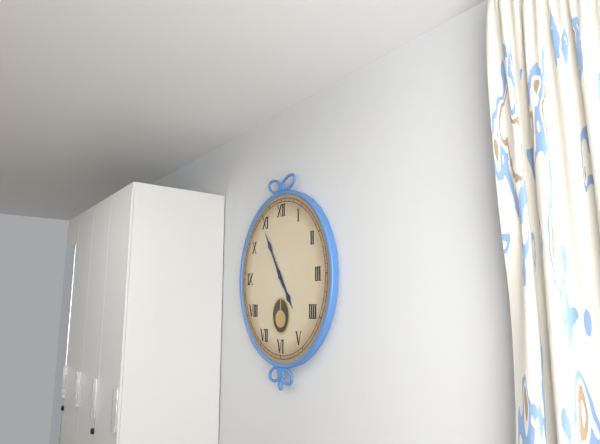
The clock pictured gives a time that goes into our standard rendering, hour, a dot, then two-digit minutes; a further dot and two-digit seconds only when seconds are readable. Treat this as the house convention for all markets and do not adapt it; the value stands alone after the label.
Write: 4.55
